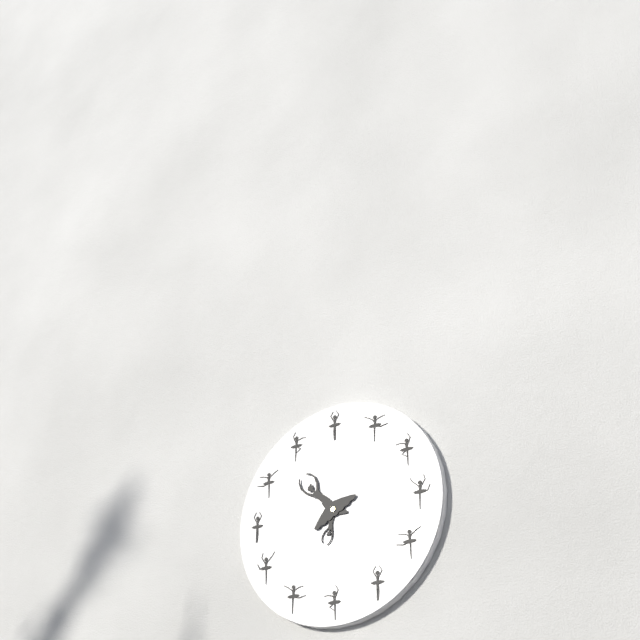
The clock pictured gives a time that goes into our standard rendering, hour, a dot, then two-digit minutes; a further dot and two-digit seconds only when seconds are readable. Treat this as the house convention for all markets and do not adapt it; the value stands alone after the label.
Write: 6.55
